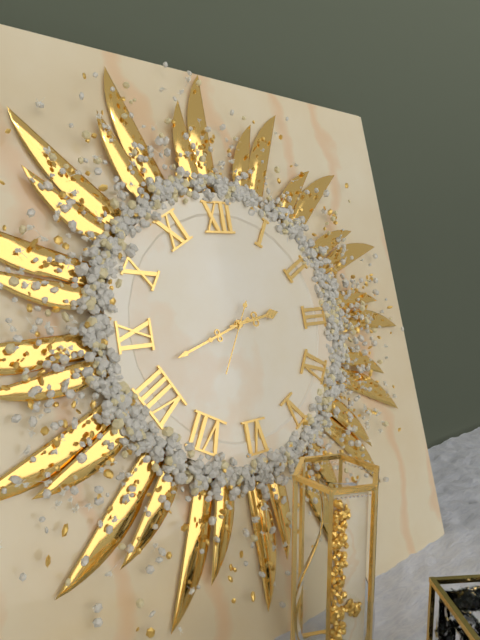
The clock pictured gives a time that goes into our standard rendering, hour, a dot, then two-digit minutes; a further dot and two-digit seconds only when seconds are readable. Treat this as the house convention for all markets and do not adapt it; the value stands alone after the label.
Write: 2.42.35
